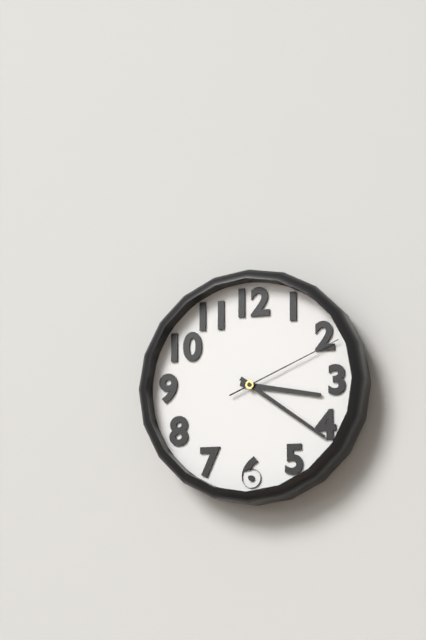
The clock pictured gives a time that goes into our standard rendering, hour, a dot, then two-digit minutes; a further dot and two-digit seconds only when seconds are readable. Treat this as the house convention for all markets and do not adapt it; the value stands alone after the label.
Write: 3.21.11
